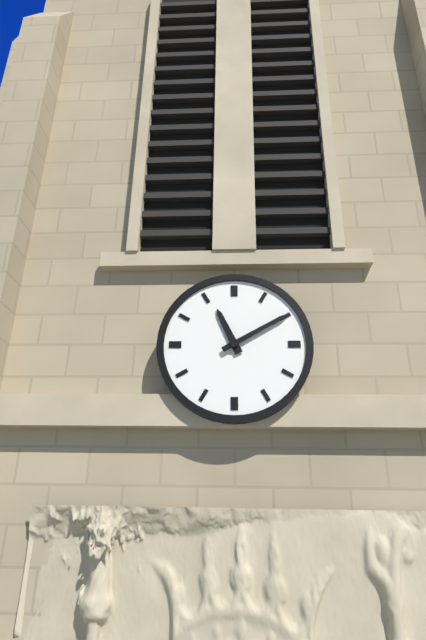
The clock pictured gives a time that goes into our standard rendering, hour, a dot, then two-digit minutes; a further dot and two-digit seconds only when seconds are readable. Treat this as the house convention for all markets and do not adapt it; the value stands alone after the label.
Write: 11.10
